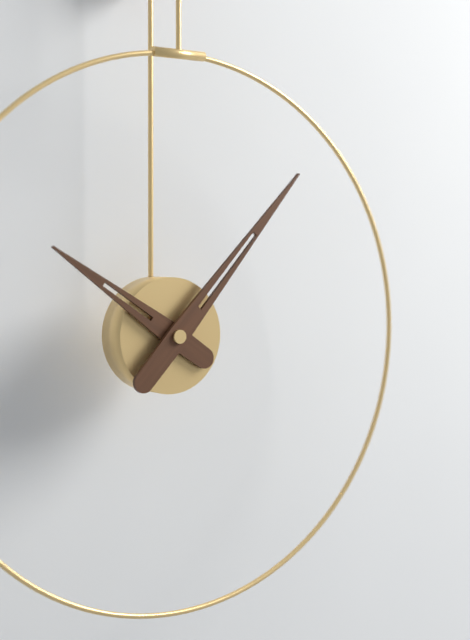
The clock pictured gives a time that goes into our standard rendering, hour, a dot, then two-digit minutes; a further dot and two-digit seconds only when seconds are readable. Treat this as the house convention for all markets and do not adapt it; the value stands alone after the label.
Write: 10.07
